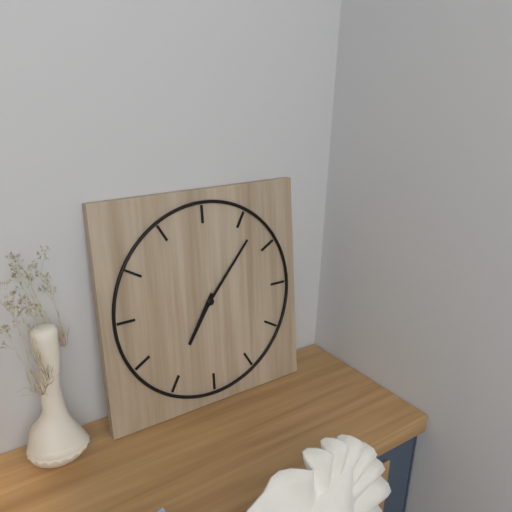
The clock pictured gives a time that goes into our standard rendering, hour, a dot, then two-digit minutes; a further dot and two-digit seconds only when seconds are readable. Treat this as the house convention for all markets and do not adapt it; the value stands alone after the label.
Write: 7.07
